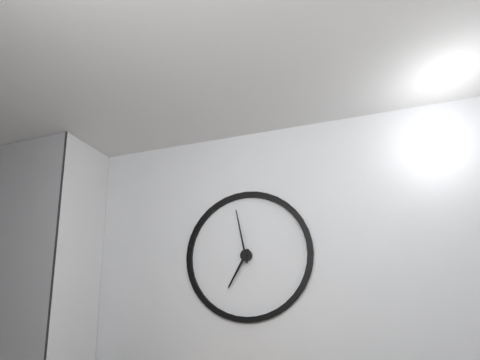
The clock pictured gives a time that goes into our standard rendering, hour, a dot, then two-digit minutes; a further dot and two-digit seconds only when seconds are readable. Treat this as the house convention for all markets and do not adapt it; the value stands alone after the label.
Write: 6.58
